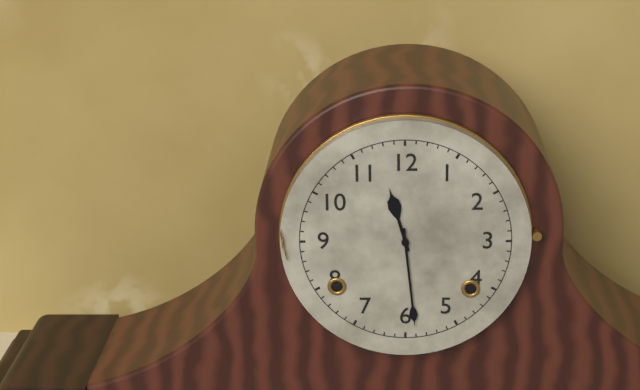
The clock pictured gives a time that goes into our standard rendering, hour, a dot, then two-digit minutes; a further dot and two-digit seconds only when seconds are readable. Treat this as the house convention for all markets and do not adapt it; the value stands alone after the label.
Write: 11.29
